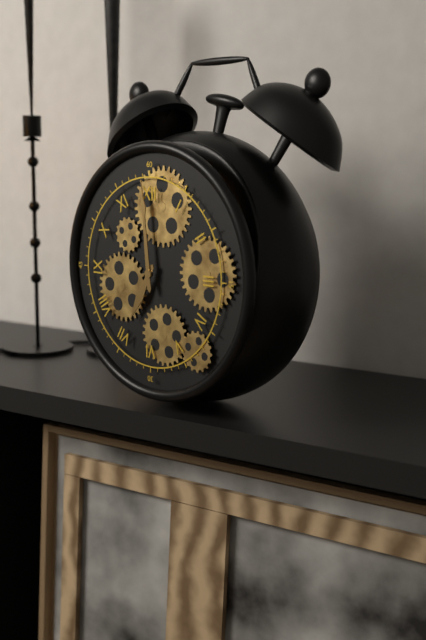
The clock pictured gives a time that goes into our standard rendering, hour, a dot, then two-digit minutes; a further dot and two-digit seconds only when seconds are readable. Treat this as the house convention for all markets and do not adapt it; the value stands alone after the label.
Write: 6.59
